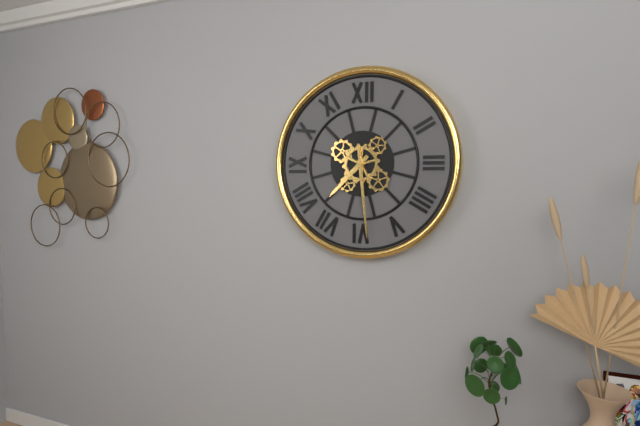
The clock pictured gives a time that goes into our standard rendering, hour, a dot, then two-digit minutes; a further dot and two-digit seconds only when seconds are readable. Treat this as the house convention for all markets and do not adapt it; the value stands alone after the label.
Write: 7.29
